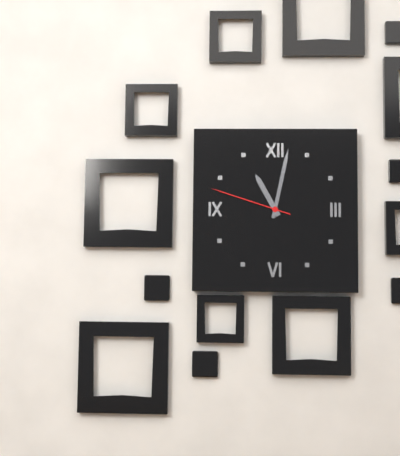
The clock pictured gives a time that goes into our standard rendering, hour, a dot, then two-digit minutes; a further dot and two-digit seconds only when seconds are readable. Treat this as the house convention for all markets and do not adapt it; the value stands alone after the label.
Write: 11.02.48
